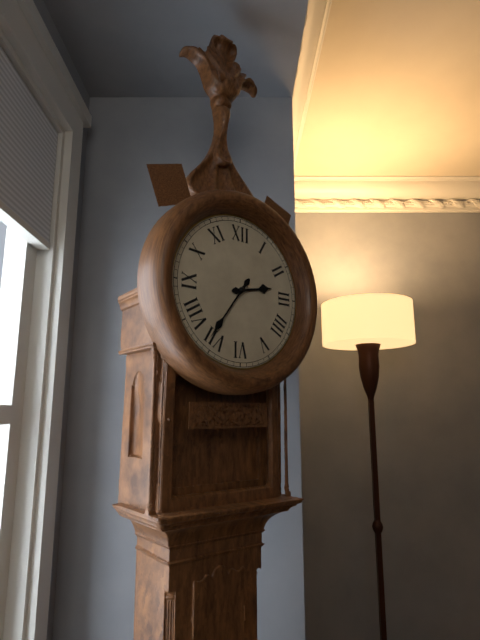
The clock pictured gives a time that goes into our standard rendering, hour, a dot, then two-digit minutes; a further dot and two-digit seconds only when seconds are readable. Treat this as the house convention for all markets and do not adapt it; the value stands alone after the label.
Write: 2.36
